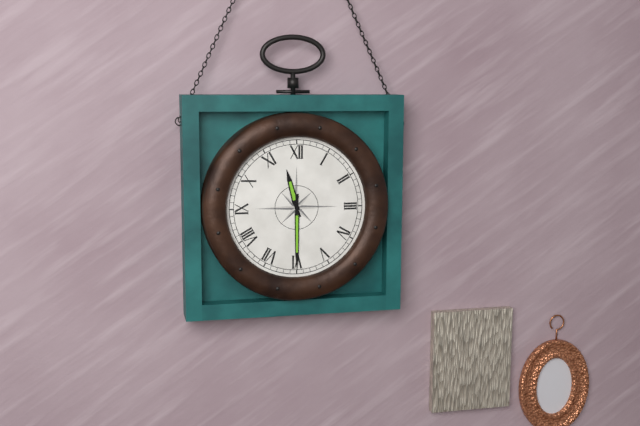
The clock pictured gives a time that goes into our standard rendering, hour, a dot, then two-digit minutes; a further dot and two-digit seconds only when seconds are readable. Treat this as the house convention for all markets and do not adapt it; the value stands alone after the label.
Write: 11.30
